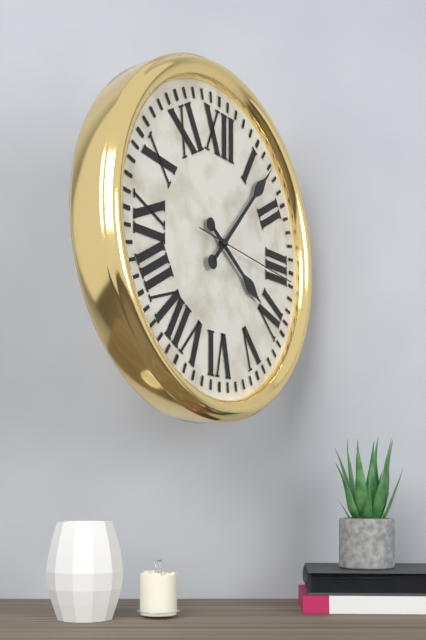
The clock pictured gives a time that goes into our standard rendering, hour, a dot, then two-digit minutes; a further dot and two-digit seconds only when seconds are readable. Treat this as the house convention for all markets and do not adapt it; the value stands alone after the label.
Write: 4.07.16
